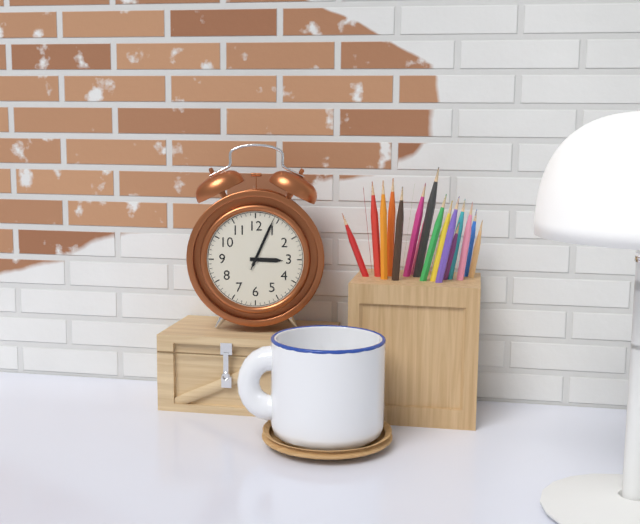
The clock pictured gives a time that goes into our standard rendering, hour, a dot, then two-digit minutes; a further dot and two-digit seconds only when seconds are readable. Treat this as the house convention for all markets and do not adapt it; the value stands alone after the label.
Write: 3.04.04
